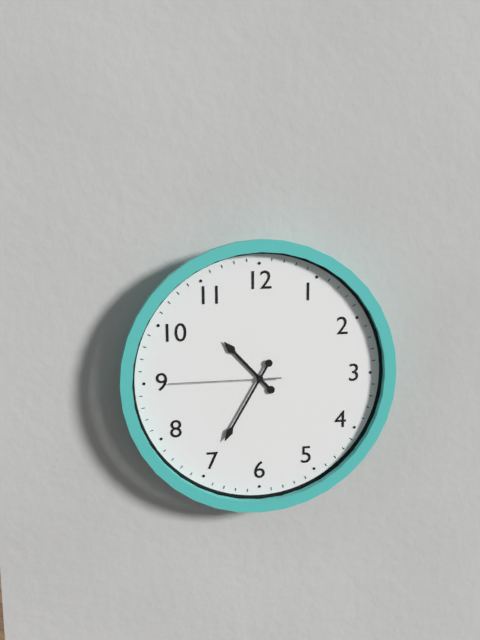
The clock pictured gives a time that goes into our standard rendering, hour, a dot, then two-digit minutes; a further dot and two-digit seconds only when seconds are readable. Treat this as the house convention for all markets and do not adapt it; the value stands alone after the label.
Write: 10.35.45
